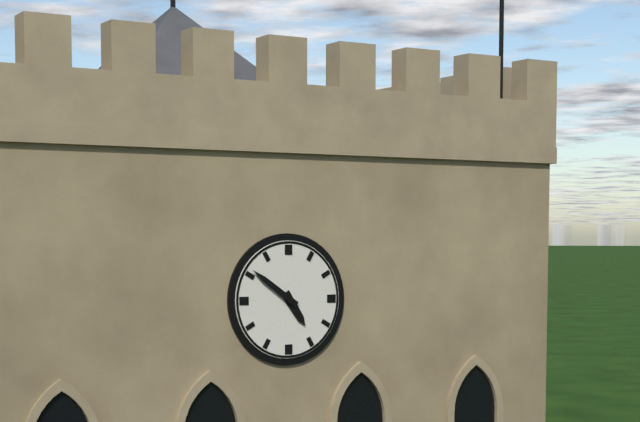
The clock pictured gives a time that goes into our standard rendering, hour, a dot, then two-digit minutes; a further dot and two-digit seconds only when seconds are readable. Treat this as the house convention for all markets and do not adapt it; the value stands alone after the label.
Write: 4.51
